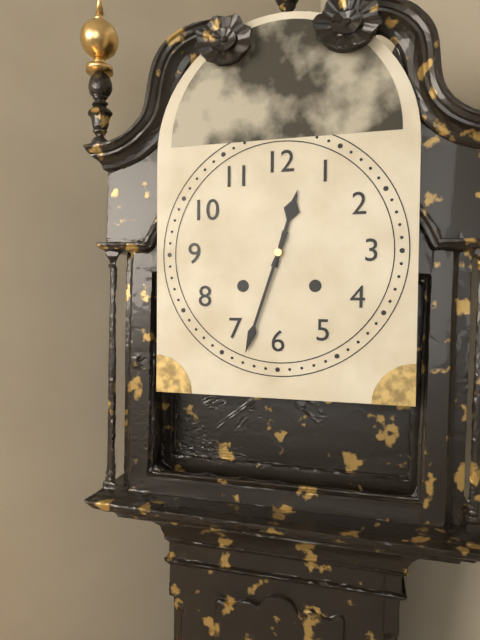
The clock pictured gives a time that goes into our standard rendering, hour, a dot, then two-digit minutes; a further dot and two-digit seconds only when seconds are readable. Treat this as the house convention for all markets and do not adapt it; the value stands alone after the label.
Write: 12.33
